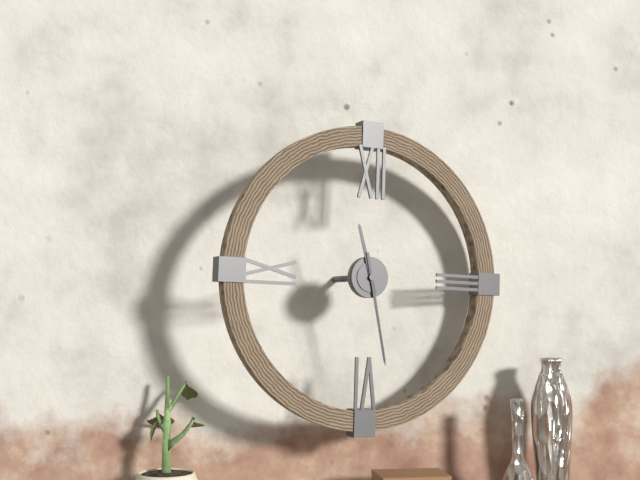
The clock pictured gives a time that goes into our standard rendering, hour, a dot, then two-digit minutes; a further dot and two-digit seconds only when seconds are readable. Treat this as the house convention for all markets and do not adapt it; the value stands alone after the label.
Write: 11.28
